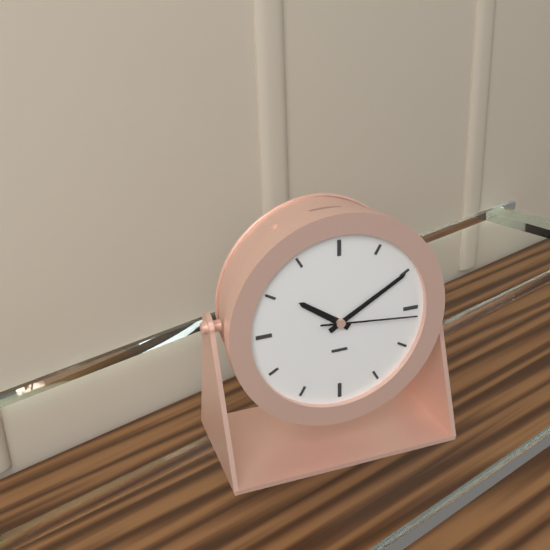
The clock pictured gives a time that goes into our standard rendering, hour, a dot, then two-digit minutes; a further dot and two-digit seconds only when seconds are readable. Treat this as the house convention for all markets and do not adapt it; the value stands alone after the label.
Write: 10.10.16
